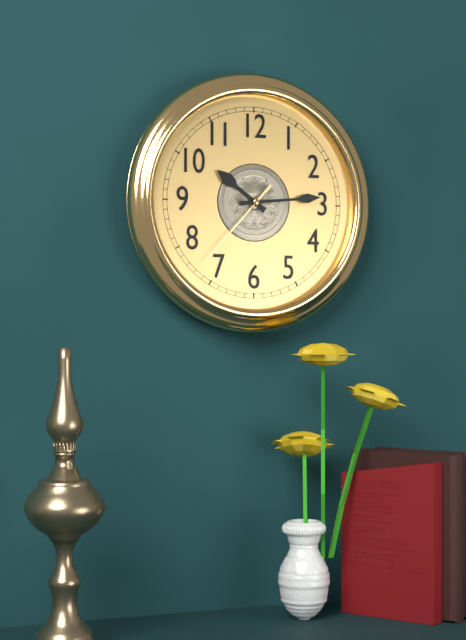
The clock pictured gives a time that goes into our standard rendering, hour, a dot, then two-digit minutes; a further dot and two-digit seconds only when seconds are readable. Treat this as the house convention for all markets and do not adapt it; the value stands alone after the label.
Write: 10.14.37
